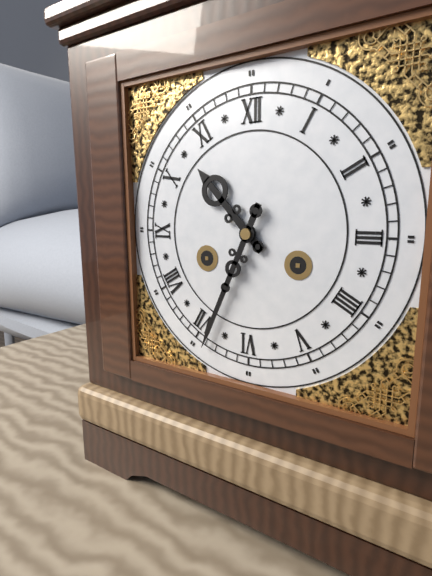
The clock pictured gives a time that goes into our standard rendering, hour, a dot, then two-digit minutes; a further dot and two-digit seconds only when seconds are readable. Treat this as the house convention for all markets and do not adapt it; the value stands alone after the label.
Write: 10.34
